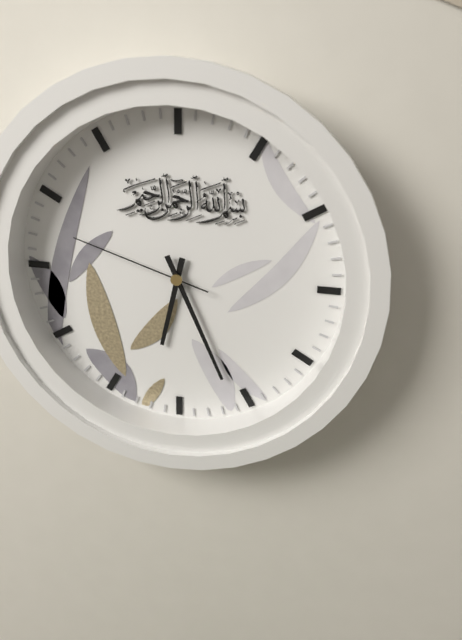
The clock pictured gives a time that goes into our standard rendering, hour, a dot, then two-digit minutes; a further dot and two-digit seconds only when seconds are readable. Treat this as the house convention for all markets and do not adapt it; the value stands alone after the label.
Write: 6.26.48
